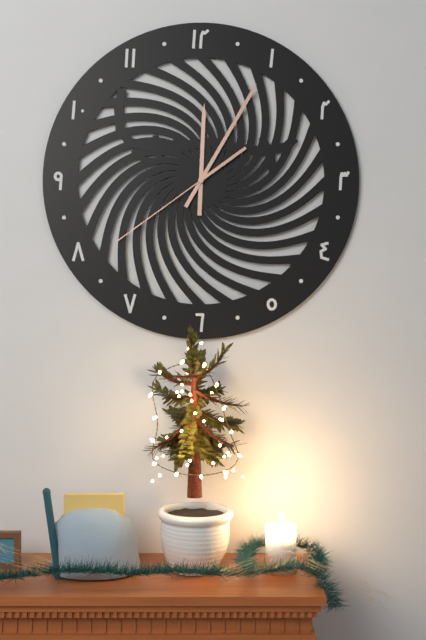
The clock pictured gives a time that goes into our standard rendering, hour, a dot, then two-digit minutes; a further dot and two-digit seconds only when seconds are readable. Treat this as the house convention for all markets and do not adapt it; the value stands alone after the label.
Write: 12.05.39
